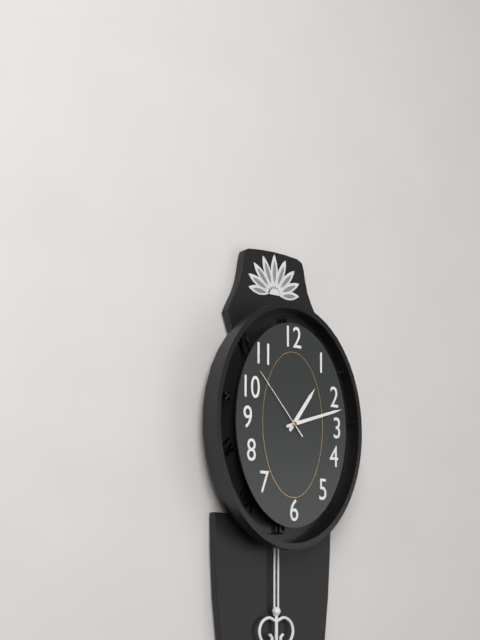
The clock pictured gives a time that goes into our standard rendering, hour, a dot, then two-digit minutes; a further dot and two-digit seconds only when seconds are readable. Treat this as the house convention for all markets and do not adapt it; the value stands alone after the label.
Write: 1.12.53
